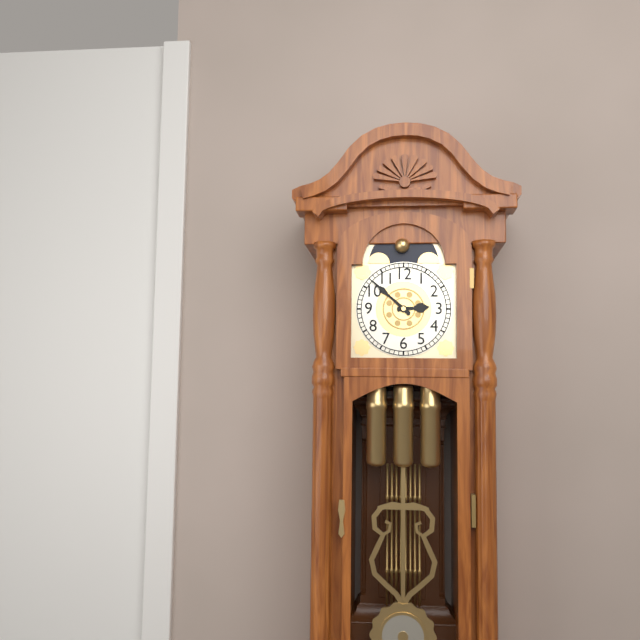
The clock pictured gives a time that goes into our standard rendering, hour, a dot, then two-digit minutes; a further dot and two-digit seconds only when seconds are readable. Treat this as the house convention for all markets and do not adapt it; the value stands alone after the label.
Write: 2.52
